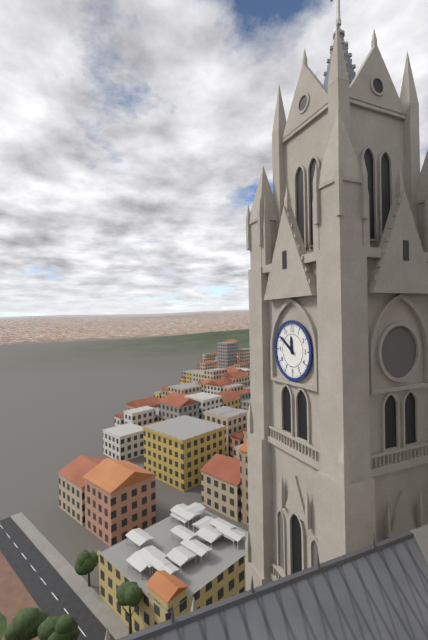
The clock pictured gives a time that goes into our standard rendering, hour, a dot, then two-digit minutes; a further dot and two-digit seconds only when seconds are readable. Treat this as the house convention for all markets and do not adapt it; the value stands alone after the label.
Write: 11.51
